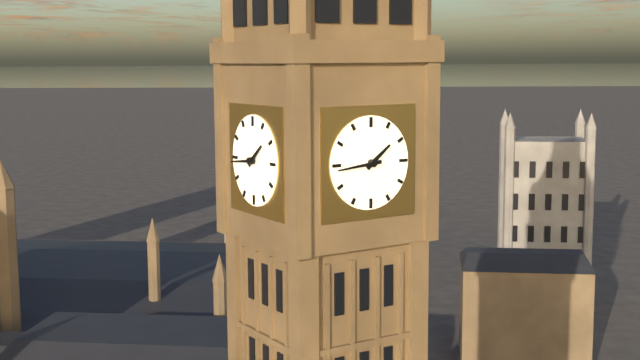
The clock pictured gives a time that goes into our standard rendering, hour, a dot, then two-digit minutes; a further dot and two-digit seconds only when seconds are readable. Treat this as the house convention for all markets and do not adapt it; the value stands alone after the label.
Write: 1.44
